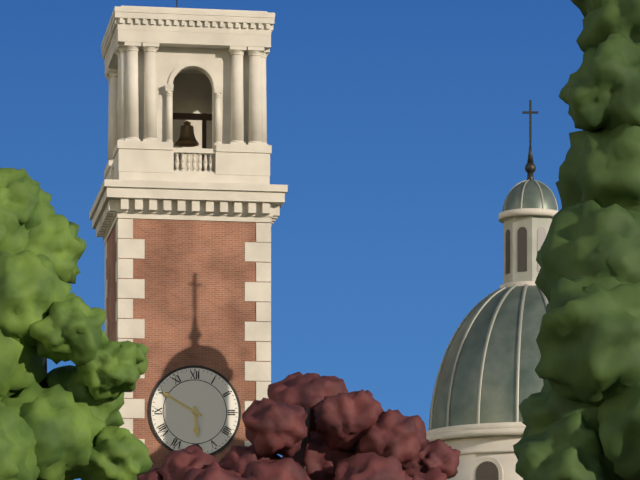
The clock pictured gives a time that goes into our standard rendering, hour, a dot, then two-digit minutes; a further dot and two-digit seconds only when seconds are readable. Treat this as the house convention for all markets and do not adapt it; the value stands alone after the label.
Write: 5.50
